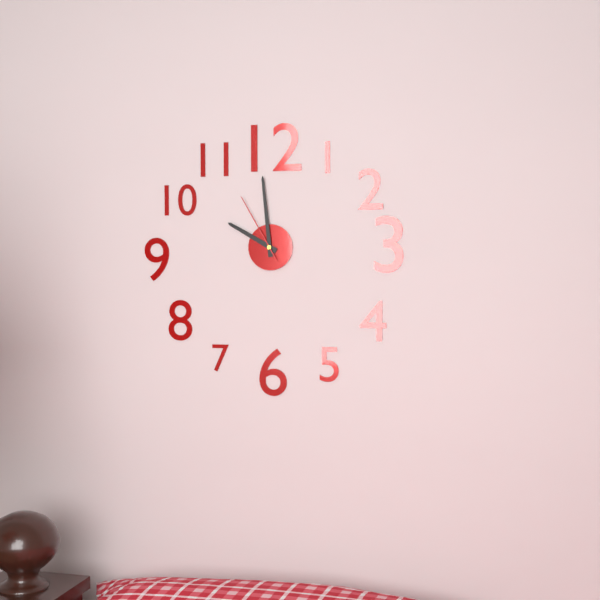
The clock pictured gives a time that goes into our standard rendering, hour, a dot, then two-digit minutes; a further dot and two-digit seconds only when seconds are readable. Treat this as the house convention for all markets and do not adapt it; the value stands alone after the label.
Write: 9.59.55
